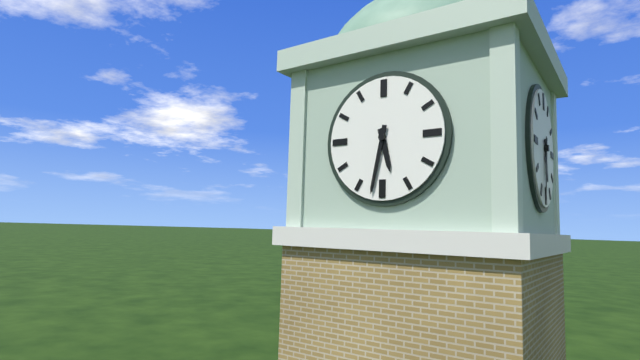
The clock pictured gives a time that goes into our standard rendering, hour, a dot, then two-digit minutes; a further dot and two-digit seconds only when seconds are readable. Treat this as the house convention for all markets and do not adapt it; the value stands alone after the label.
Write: 5.32
